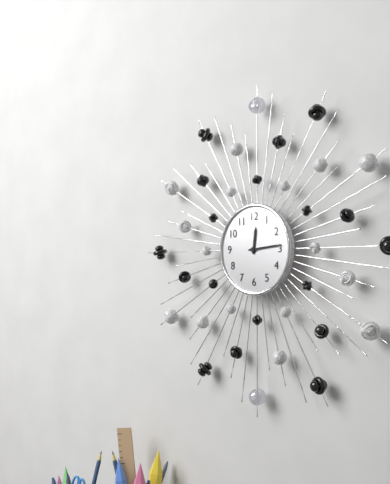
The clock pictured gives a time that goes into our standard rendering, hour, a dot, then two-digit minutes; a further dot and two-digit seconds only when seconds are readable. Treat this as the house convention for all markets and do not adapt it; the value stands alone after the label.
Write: 12.14
